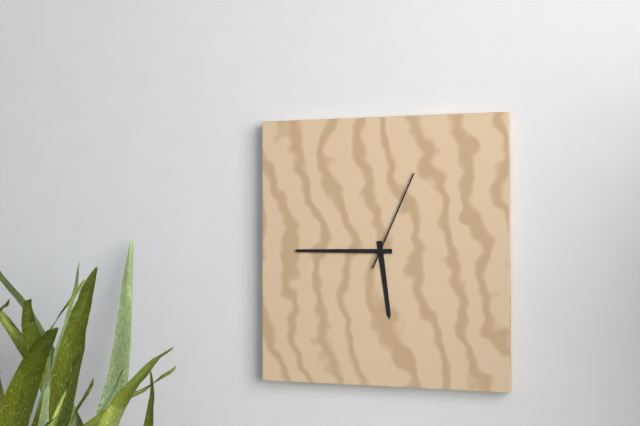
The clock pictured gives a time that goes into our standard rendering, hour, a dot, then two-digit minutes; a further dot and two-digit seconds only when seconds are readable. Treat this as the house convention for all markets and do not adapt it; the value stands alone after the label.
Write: 5.45.04
